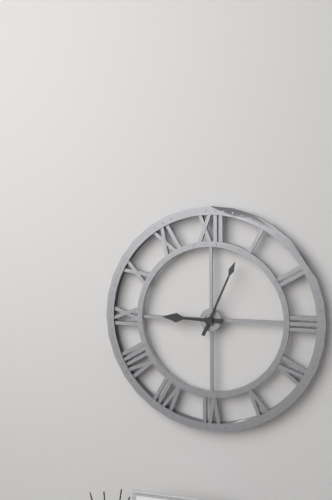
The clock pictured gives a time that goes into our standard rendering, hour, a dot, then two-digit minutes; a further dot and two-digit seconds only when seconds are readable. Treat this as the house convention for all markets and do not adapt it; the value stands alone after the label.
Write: 9.04
